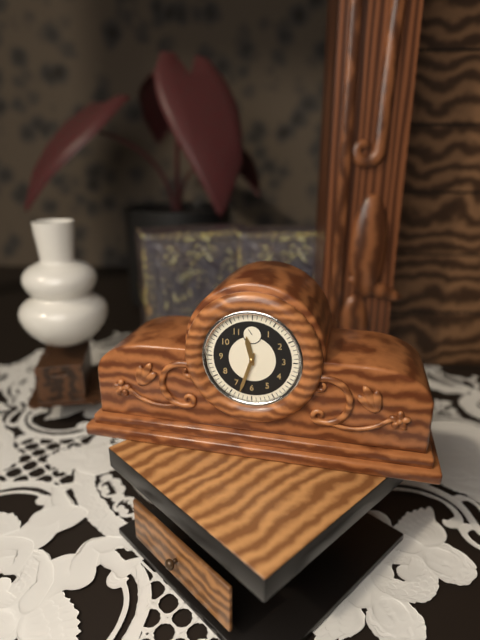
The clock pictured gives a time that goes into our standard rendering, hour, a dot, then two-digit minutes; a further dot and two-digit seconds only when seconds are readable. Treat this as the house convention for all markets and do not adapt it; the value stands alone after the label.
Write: 11.33
